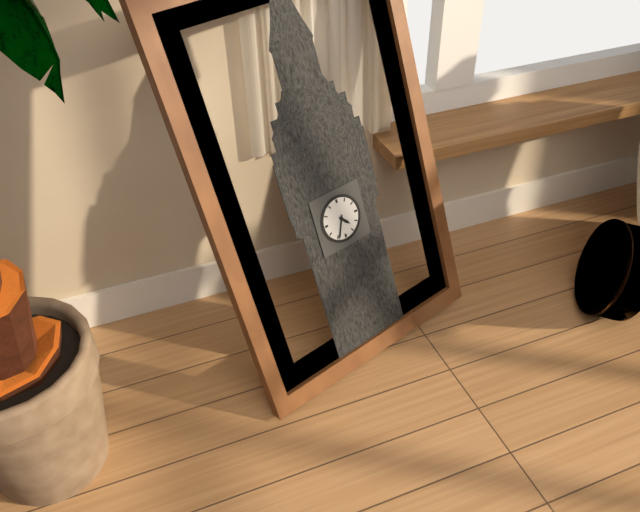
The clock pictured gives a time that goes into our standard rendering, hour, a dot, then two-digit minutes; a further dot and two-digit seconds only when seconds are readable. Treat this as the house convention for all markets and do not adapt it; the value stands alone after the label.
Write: 4.34
